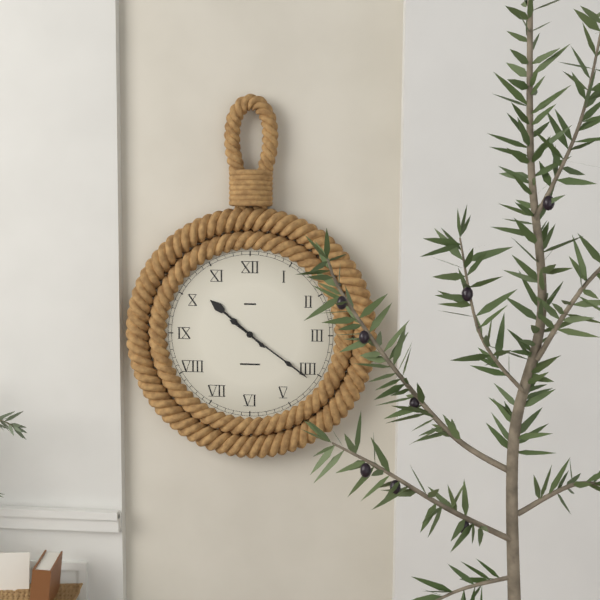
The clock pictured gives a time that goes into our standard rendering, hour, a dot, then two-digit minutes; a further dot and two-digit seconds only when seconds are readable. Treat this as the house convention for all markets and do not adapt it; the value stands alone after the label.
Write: 10.21
